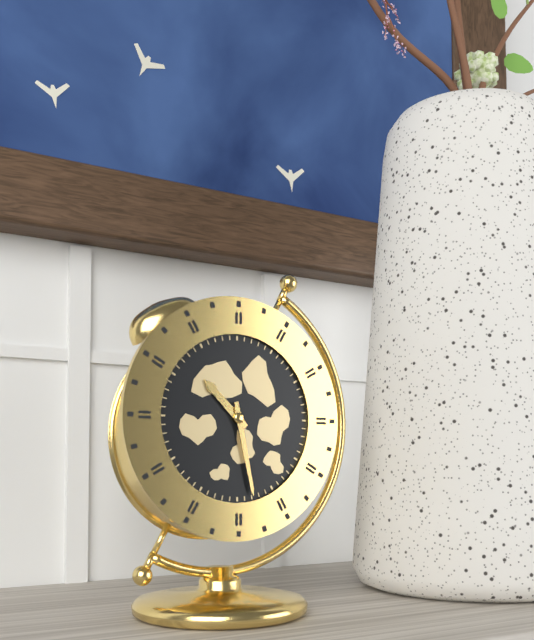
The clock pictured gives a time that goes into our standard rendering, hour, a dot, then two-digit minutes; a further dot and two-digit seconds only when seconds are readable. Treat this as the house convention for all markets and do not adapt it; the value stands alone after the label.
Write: 10.28
